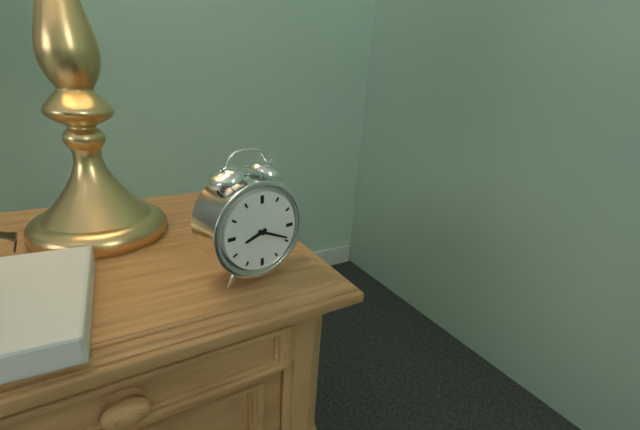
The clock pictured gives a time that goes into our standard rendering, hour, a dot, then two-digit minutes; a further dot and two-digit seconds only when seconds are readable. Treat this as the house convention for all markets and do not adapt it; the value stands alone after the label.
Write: 8.19
